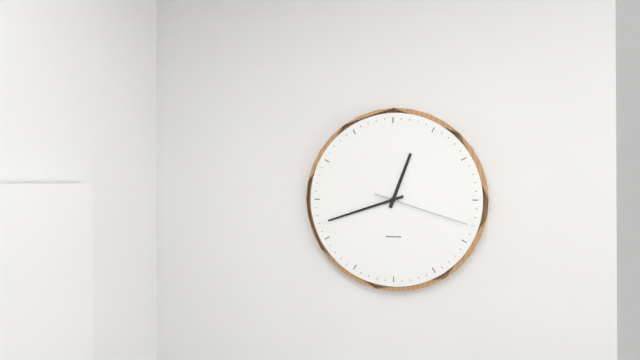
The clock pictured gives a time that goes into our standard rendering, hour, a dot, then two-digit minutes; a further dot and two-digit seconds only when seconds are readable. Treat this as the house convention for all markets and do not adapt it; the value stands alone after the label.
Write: 12.42.18
